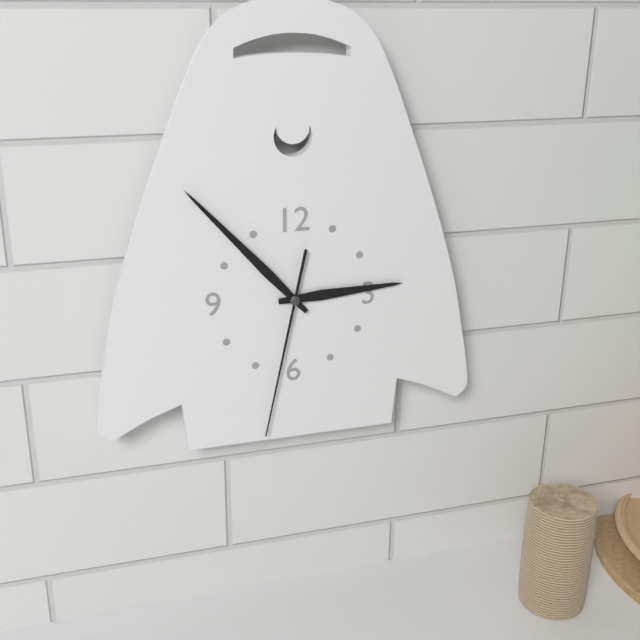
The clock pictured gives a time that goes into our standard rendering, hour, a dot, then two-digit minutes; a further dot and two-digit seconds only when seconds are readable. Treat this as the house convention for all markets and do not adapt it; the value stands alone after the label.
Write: 2.53.32
